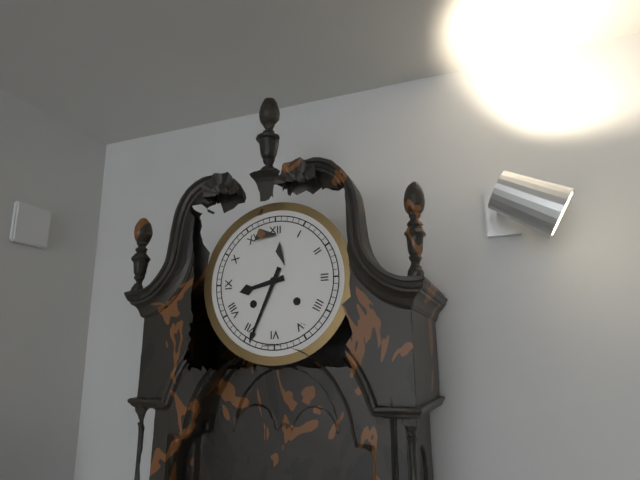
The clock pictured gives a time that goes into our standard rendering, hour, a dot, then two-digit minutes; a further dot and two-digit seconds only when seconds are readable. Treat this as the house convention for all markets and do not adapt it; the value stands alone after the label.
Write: 8.34
